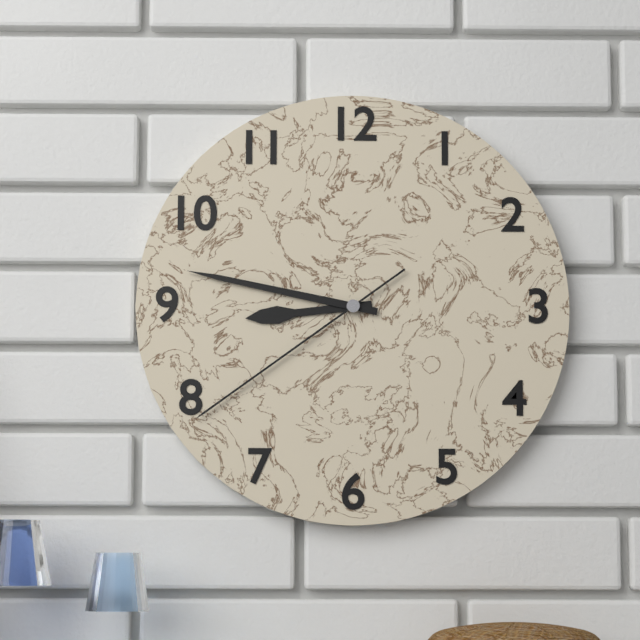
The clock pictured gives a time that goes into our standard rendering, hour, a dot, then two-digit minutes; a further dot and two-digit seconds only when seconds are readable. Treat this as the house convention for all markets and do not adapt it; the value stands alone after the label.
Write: 8.47.39
